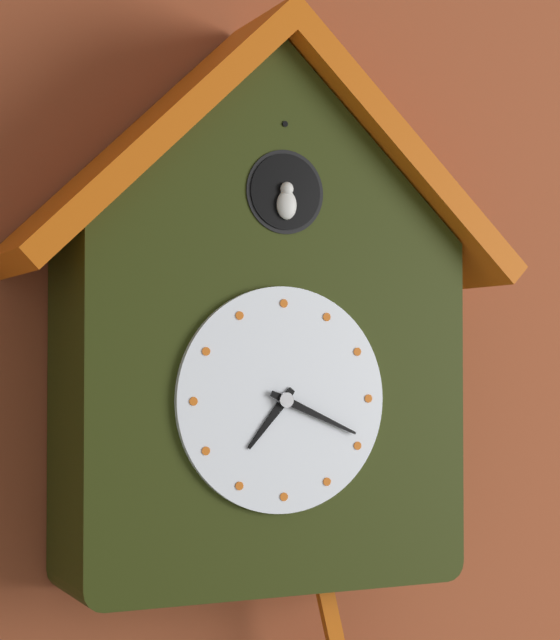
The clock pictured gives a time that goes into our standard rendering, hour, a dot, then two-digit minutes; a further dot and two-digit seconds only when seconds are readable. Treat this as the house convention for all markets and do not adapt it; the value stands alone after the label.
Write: 7.19
